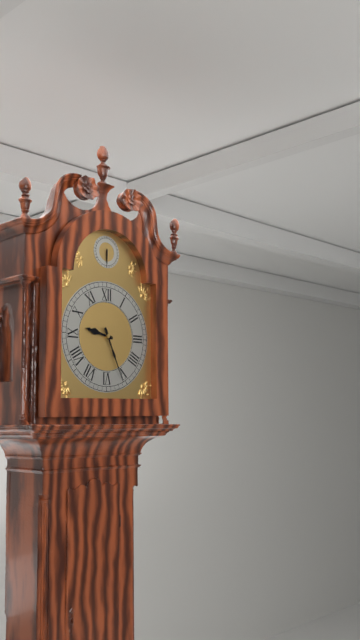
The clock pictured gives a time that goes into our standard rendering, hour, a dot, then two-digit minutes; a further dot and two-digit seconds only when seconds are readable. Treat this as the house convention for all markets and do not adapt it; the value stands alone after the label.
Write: 9.26
